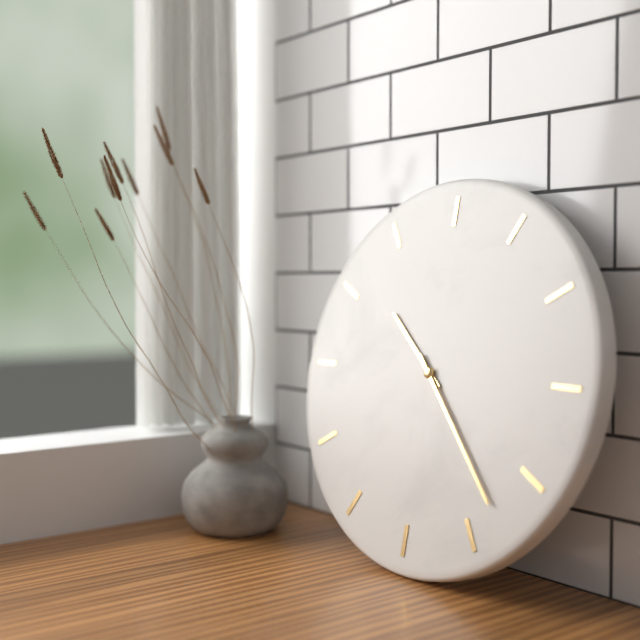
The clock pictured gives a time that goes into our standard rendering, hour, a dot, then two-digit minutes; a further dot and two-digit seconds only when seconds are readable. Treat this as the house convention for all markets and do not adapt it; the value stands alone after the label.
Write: 10.23
